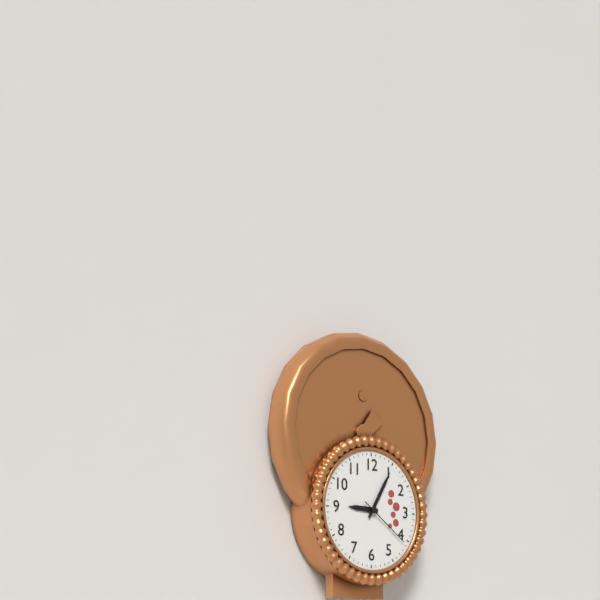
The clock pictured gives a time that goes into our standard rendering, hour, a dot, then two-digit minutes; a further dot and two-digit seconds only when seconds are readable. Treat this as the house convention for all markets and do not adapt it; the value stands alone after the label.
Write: 9.05.21
